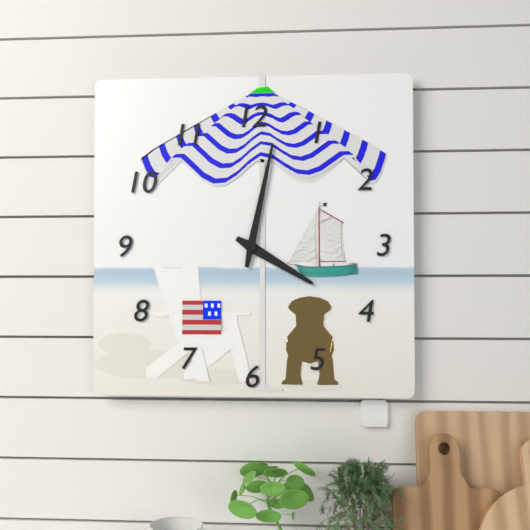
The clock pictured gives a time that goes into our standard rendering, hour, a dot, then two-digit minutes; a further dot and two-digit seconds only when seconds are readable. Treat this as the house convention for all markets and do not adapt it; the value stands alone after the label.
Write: 4.02
